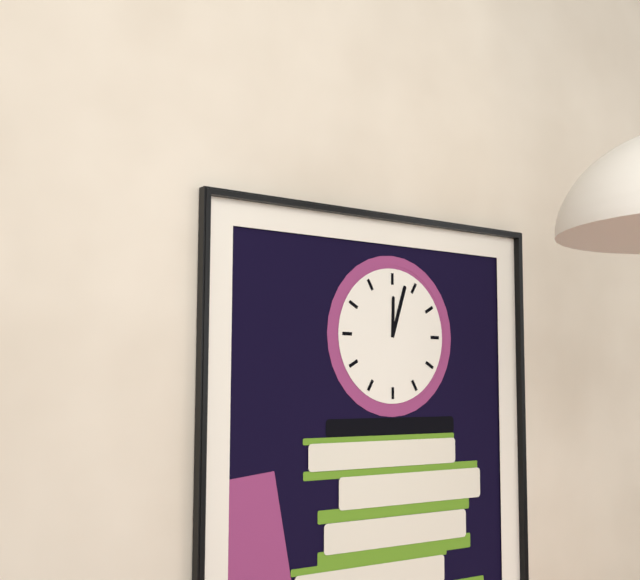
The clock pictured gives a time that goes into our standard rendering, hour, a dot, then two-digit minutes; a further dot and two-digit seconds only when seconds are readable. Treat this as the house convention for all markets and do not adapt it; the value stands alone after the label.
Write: 12.03
